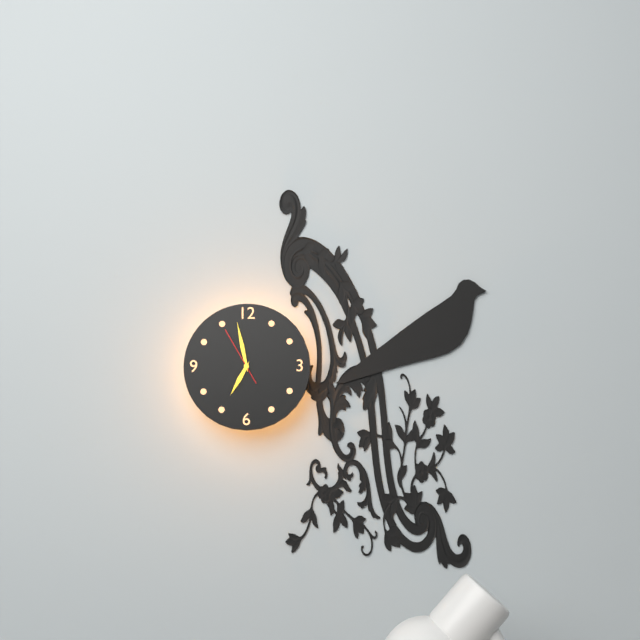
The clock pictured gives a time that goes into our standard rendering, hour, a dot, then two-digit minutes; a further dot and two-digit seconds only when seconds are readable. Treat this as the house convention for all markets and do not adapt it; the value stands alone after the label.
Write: 6.58.55
